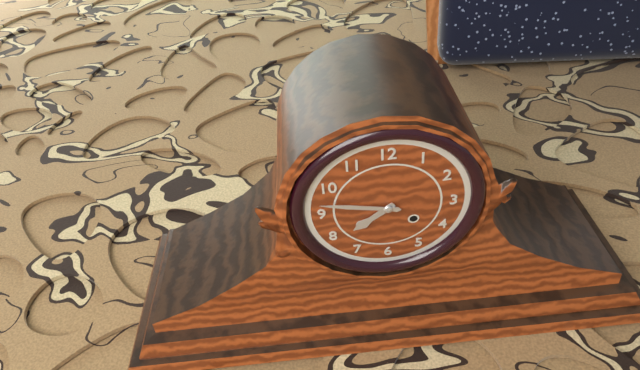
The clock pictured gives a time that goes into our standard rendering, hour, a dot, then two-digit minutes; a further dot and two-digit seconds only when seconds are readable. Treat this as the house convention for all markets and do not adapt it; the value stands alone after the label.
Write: 7.47
